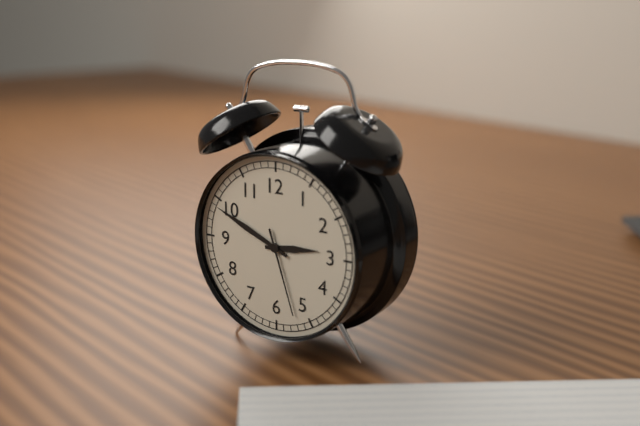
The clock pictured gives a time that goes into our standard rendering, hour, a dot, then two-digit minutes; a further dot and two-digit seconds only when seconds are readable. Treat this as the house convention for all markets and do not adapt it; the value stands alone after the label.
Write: 2.49.27
